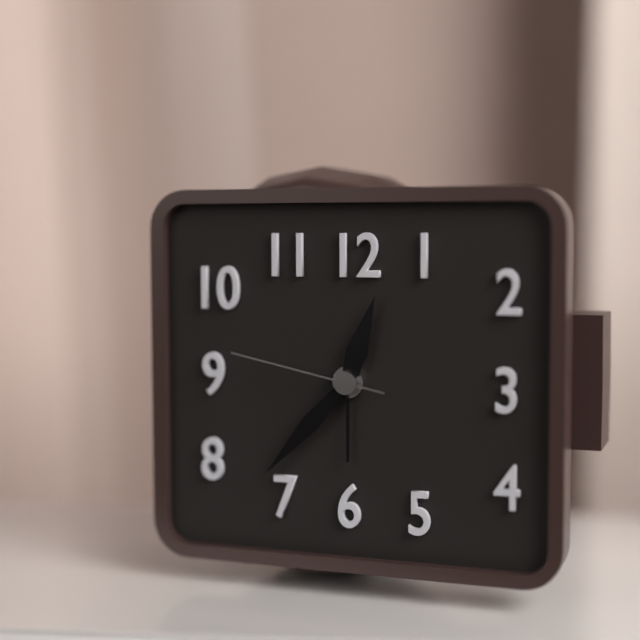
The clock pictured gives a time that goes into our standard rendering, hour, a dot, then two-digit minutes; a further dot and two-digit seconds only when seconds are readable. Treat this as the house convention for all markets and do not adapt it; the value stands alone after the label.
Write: 12.37.47
